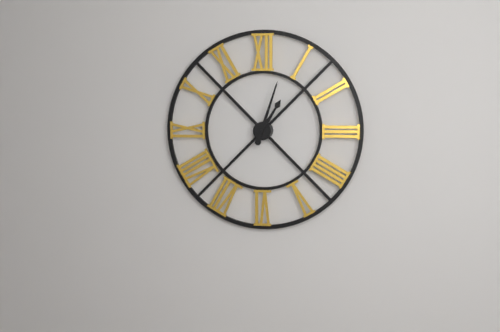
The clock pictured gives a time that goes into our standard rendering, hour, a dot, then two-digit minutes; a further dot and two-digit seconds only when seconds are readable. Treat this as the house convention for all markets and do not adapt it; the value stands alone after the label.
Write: 1.03
